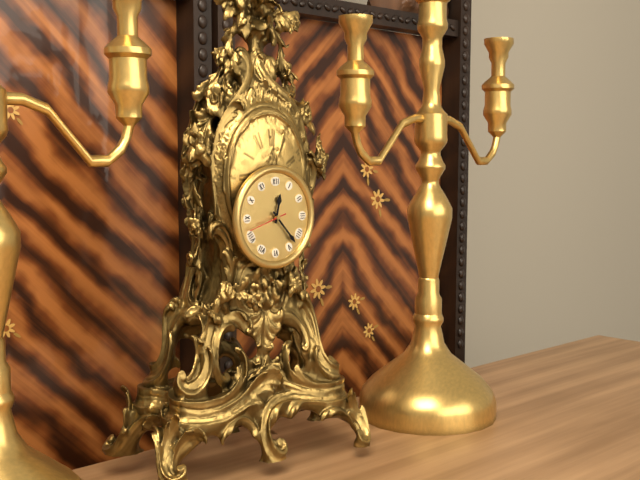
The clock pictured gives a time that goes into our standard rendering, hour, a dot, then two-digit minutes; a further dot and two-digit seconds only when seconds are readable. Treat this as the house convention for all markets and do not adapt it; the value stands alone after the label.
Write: 12.23
